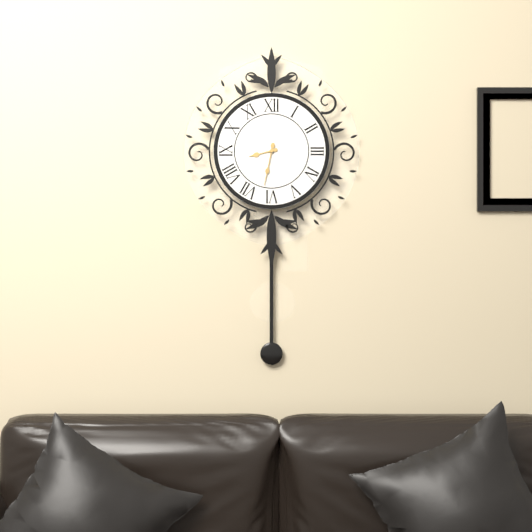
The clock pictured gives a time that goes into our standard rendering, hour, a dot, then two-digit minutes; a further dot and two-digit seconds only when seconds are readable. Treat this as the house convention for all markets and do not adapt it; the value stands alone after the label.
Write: 8.32
